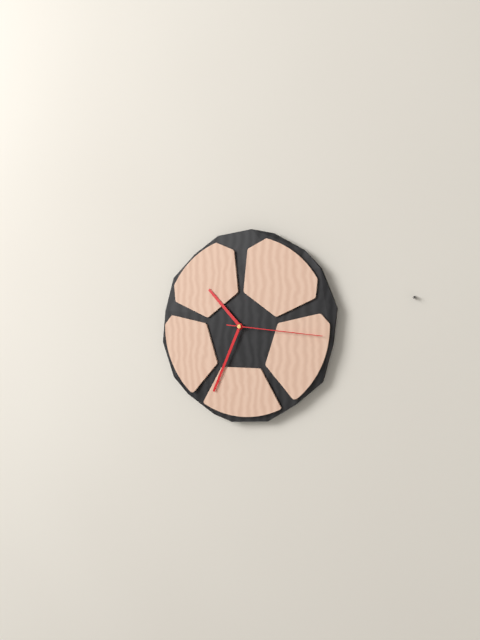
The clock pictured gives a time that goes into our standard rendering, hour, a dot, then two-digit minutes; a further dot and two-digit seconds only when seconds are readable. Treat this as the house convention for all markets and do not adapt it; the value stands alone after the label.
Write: 10.34.16
